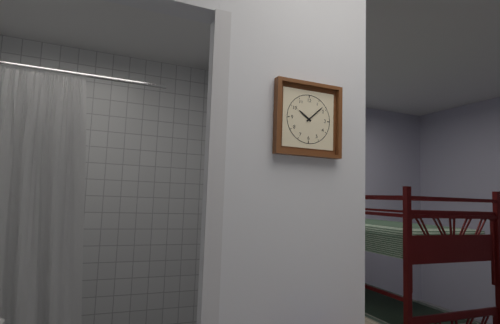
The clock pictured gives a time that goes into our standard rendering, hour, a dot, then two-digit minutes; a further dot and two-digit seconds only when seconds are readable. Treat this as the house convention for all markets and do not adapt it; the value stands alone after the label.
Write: 10.08
